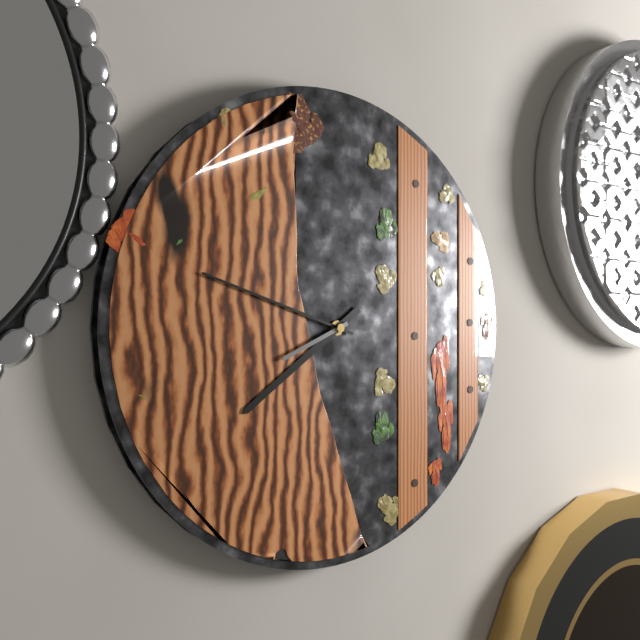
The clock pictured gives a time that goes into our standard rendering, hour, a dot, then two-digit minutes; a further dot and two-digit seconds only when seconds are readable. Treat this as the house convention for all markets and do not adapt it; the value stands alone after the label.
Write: 7.48.41
